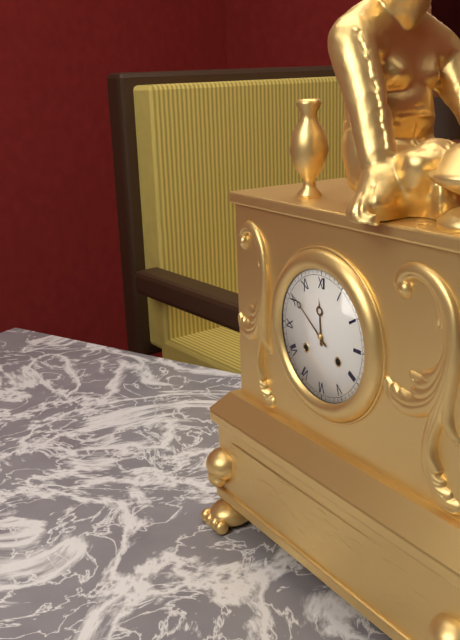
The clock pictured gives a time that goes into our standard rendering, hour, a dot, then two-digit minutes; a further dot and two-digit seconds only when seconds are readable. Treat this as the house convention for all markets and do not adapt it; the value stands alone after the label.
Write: 11.51
